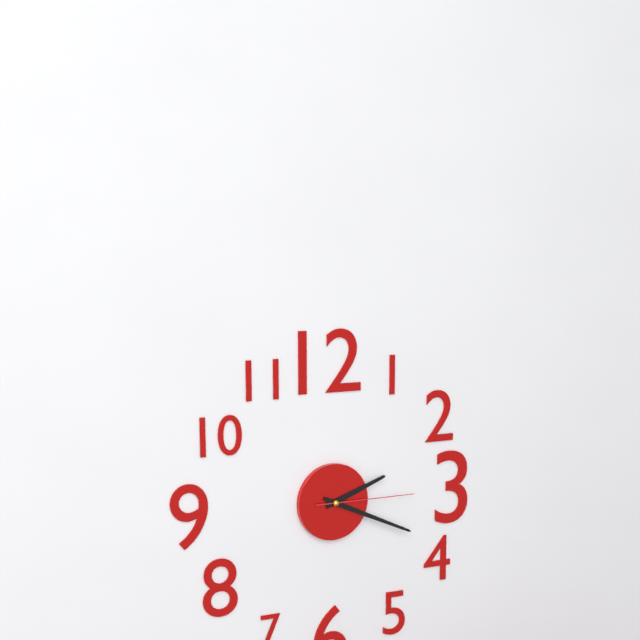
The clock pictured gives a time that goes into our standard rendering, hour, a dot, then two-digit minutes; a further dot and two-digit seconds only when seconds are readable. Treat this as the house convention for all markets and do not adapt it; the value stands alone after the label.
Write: 2.19.15
